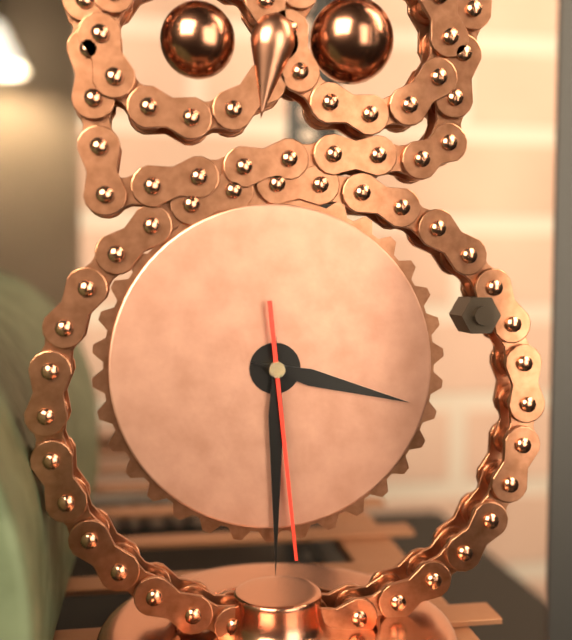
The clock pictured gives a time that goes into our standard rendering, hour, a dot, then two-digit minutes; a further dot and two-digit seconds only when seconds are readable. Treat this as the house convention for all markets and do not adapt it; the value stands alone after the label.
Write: 3.30.29
